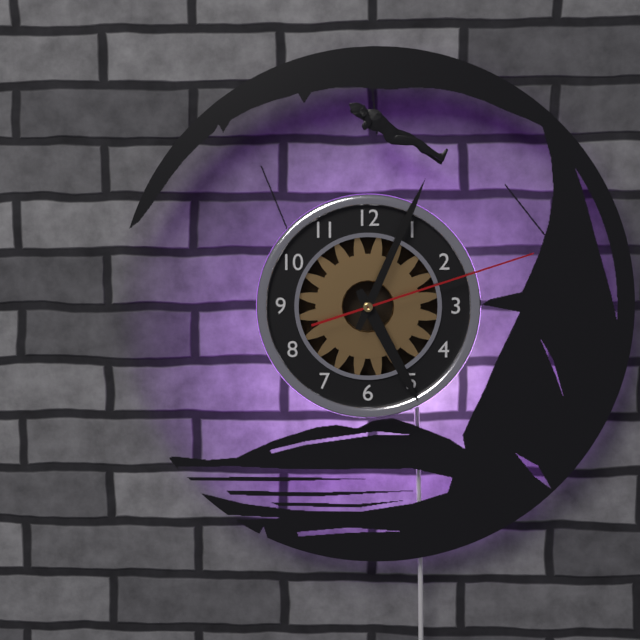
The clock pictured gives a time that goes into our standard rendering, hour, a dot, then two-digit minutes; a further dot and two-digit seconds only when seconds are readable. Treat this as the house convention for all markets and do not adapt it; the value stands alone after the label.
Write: 5.04.12
